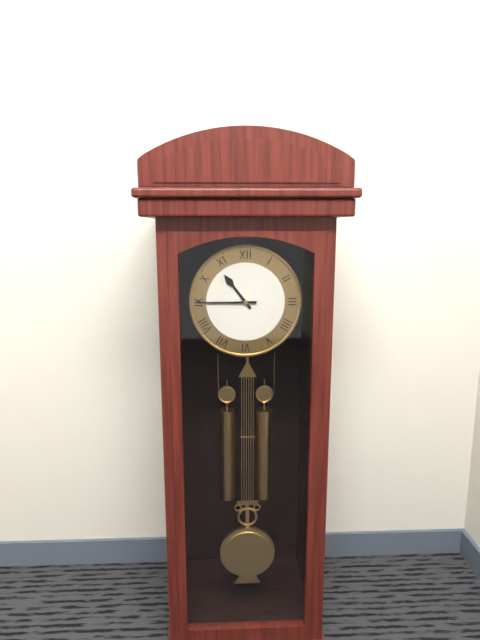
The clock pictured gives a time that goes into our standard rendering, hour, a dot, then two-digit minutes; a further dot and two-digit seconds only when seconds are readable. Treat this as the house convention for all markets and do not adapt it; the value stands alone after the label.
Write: 10.45
